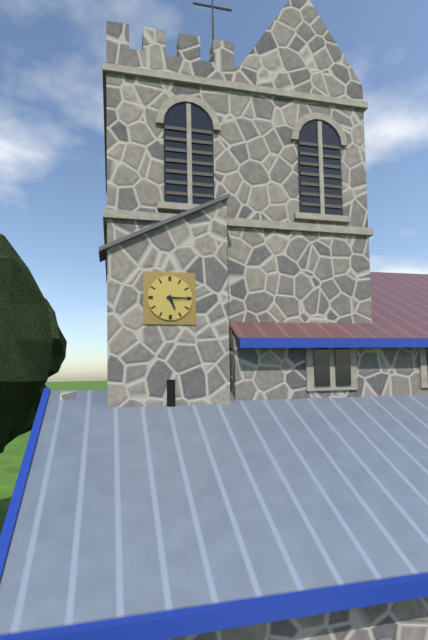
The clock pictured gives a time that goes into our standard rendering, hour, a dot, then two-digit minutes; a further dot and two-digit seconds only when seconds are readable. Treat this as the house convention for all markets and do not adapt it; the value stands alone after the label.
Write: 5.15
